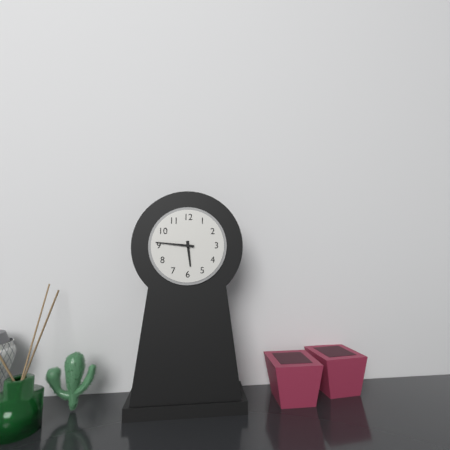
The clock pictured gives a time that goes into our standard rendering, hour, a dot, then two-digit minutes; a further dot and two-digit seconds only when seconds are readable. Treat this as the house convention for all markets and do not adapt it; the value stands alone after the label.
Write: 5.46
